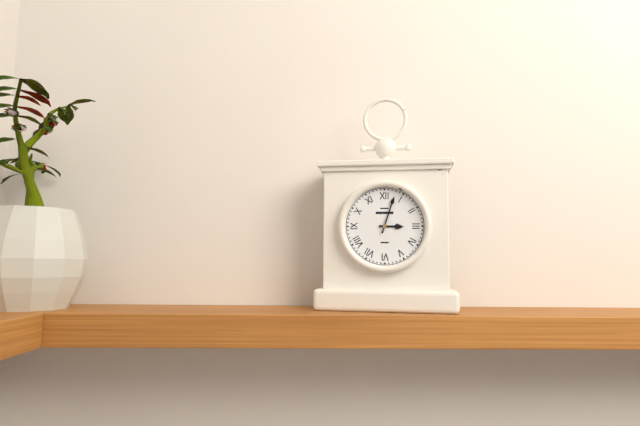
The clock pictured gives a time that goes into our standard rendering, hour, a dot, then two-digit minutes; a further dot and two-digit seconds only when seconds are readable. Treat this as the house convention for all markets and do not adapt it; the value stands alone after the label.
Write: 3.03
